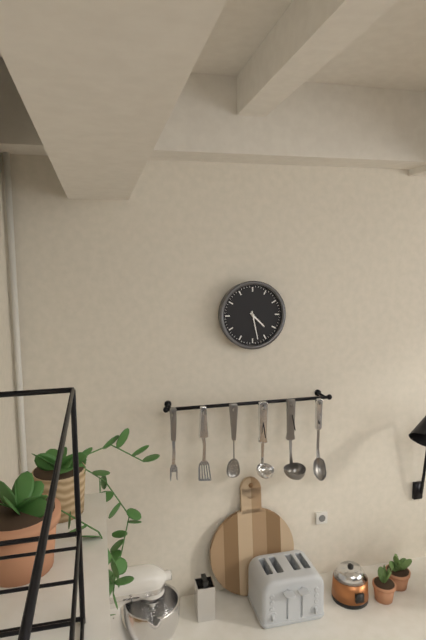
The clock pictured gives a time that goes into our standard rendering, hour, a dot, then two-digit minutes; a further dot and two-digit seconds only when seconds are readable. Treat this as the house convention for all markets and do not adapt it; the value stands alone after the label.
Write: 4.28
